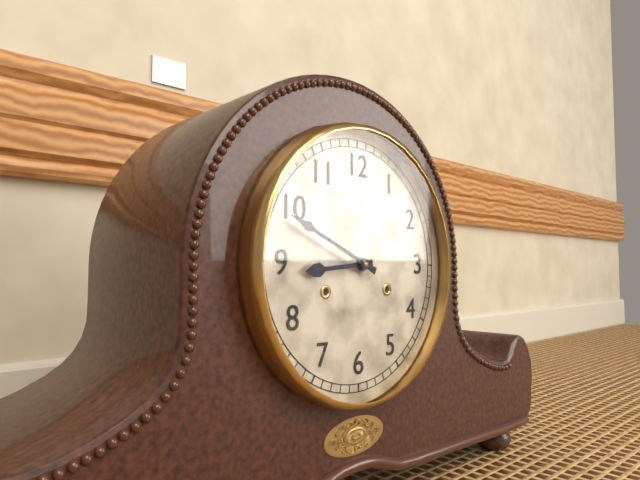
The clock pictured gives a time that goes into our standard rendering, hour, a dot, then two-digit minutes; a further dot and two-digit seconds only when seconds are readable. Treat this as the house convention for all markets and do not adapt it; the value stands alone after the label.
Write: 8.49
